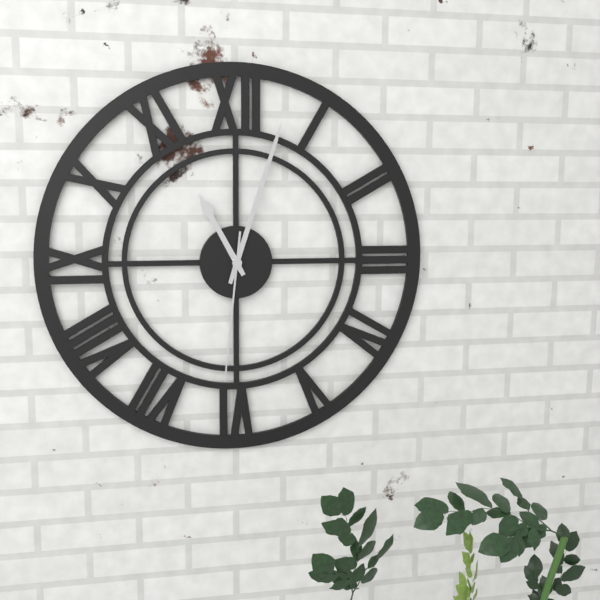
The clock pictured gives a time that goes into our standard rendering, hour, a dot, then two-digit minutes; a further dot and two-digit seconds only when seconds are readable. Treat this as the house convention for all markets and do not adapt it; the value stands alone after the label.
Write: 11.03.31
